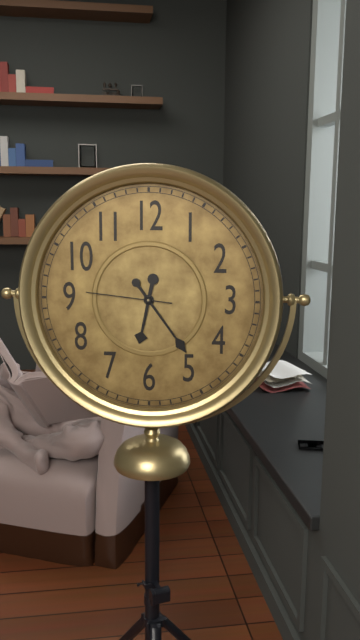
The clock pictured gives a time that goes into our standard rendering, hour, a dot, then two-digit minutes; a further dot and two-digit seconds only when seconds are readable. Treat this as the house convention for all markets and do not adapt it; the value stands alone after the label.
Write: 6.24.46
